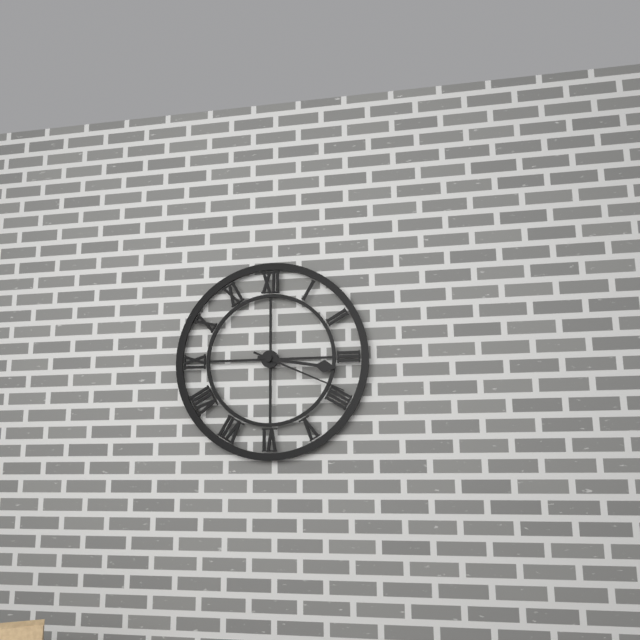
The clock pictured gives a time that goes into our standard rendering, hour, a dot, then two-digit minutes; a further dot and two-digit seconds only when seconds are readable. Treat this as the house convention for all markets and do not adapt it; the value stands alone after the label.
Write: 3.19
